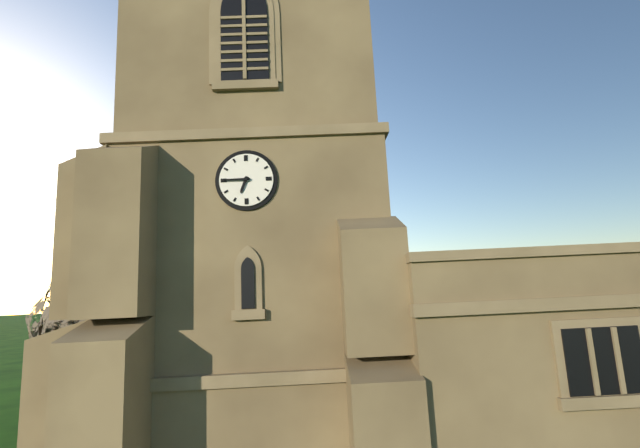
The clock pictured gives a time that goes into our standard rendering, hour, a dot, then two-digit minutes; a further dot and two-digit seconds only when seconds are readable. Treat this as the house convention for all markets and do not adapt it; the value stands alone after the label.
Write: 6.45
